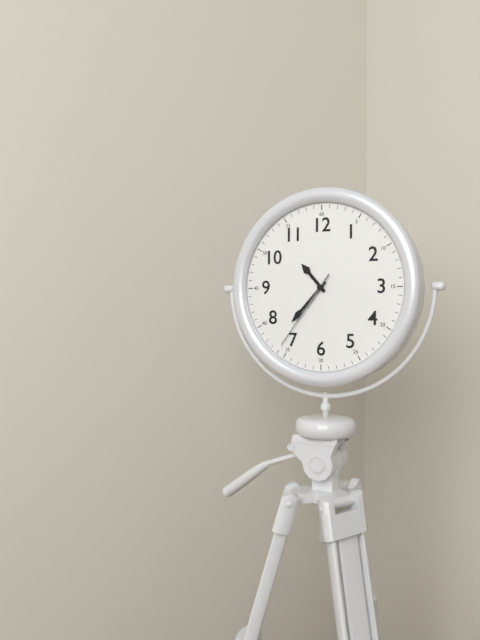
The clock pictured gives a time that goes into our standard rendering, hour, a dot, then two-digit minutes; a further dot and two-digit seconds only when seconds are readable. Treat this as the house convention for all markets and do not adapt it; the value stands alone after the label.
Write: 10.37.36
